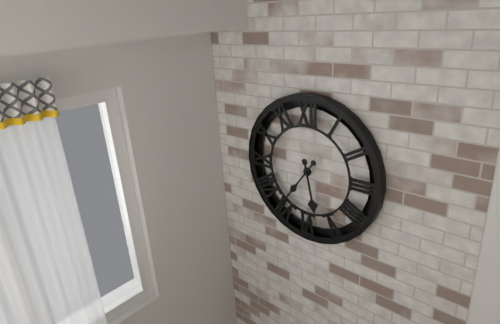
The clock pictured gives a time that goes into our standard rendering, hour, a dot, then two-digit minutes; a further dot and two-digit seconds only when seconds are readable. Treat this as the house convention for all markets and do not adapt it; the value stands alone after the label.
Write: 5.36
